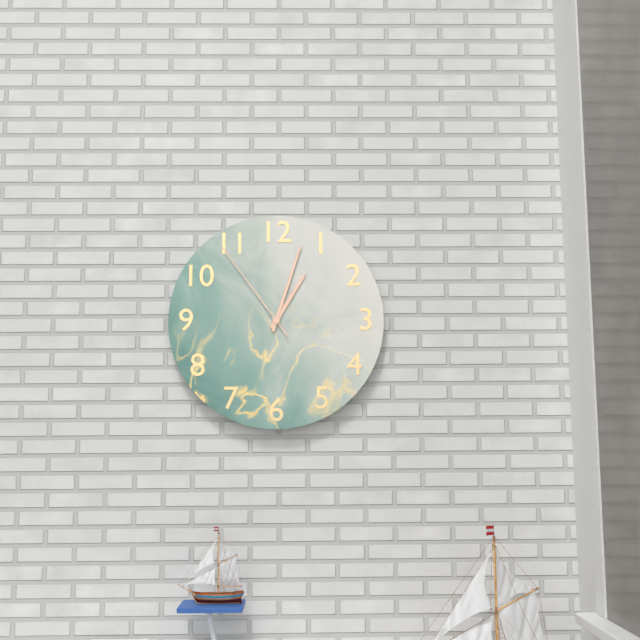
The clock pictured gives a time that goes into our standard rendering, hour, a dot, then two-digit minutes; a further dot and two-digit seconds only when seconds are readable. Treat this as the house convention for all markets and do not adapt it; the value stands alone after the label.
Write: 1.03.54
